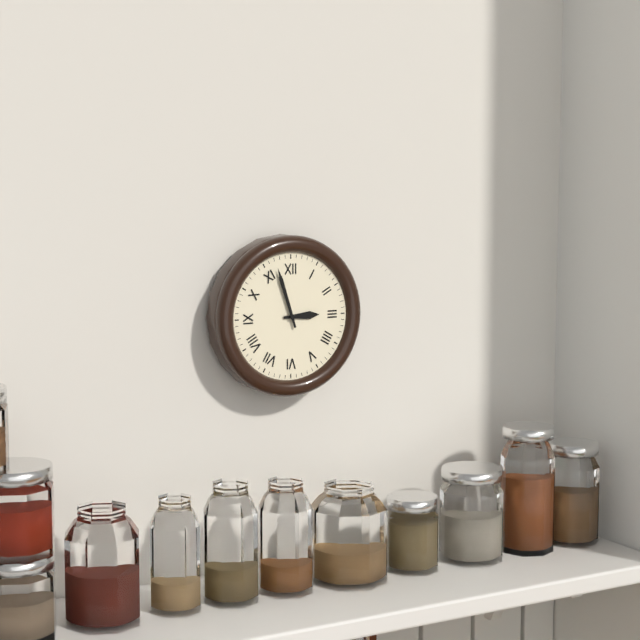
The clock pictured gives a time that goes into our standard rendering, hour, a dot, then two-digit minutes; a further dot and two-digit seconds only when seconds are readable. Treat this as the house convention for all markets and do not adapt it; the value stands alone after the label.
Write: 2.57
